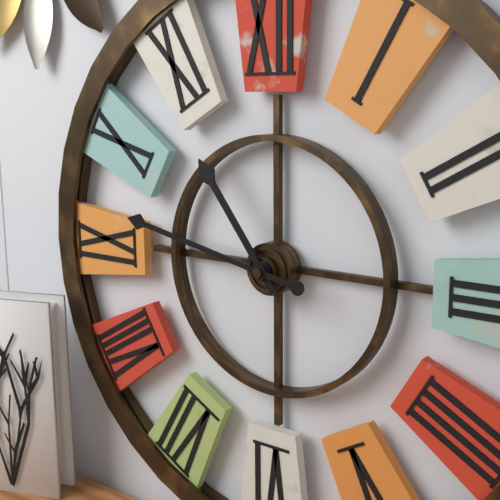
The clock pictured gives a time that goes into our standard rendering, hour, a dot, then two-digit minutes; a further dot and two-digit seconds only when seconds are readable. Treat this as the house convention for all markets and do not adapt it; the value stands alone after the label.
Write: 10.47
